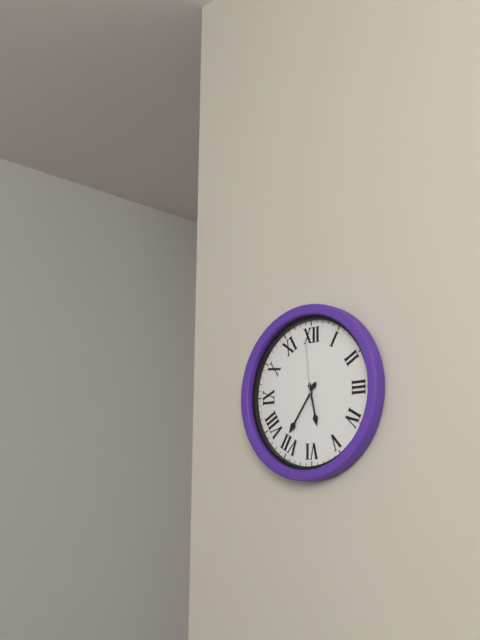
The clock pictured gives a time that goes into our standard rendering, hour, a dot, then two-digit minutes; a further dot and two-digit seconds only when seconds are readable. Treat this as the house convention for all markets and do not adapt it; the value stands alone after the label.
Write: 5.36.59
